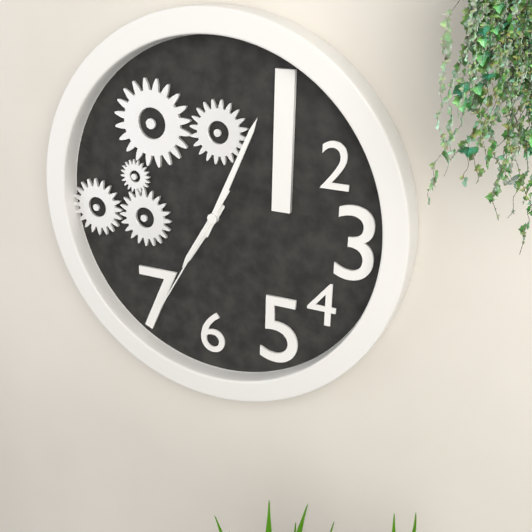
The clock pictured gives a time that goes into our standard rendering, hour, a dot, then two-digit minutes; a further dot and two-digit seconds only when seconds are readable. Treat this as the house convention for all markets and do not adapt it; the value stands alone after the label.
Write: 7.04.35
